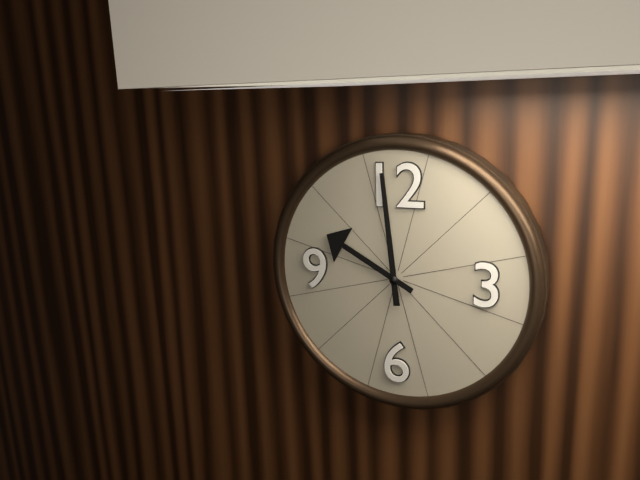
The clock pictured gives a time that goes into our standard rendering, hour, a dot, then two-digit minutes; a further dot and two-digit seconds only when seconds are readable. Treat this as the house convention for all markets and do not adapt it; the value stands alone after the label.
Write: 9.59
